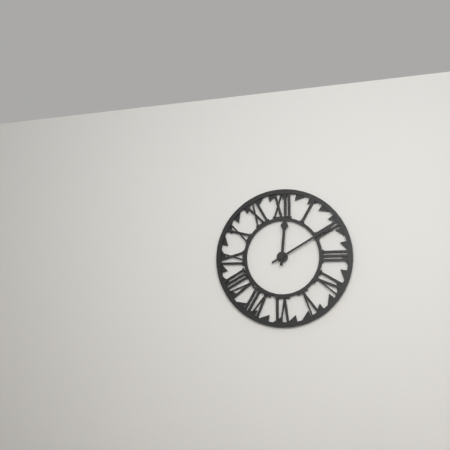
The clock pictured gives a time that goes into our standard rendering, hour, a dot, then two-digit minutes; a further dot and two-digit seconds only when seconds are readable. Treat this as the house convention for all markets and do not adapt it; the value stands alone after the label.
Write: 12.10
